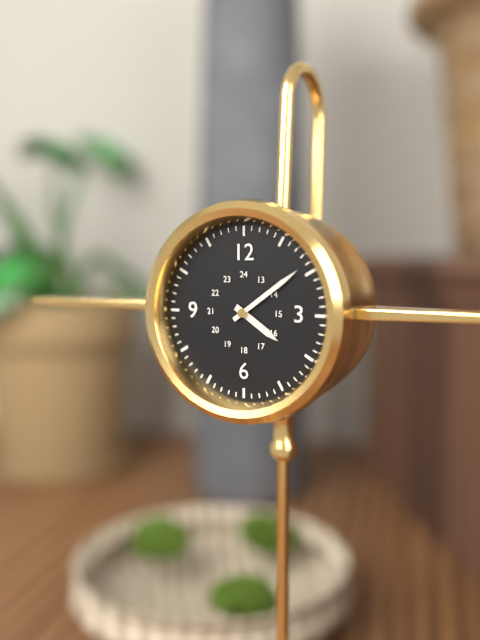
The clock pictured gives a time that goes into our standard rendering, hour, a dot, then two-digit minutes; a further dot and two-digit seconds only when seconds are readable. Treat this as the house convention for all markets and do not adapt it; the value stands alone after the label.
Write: 4.09
